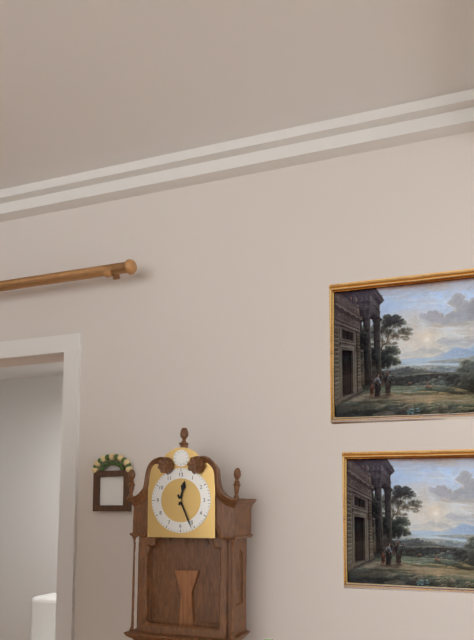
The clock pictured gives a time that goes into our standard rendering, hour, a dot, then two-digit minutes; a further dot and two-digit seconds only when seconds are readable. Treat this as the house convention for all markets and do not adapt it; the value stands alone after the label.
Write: 12.26
